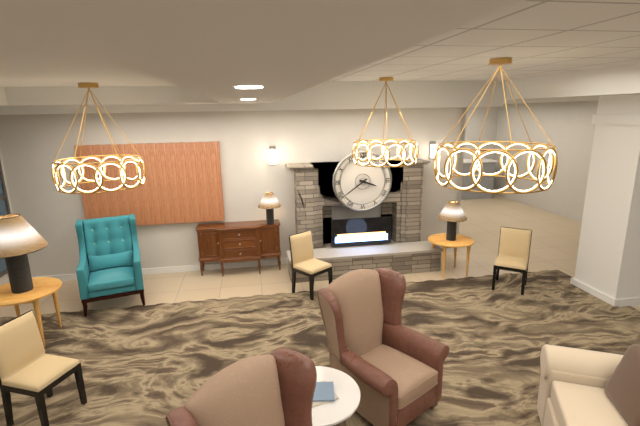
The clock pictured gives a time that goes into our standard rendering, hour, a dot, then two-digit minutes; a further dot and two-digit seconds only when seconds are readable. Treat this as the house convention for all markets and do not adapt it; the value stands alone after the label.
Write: 3.39
